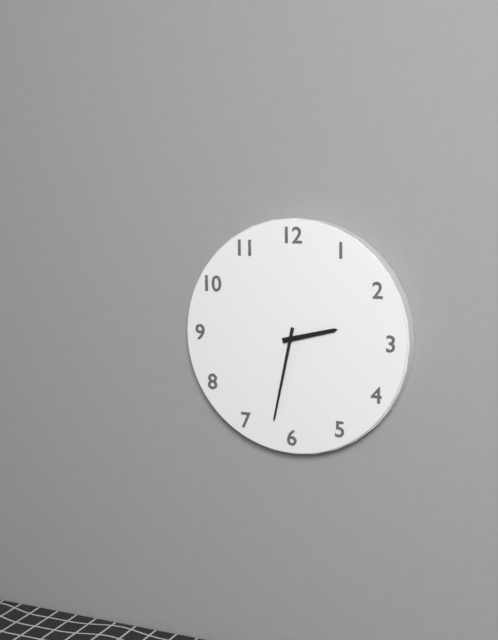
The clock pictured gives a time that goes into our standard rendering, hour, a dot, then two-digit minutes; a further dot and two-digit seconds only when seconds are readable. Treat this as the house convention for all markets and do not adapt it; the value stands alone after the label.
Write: 2.32
